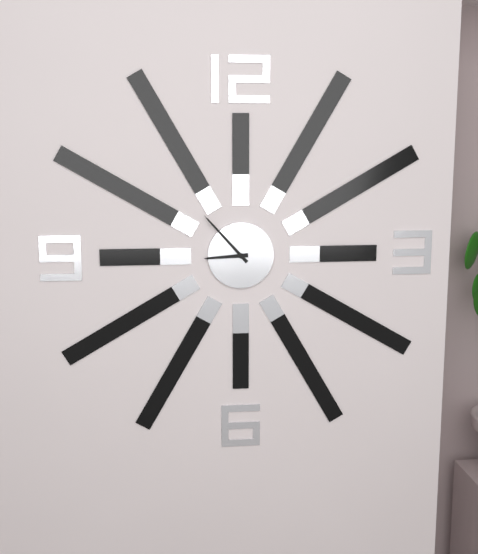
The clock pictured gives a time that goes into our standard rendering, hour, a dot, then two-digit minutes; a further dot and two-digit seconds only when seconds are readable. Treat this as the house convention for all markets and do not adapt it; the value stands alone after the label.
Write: 8.53
